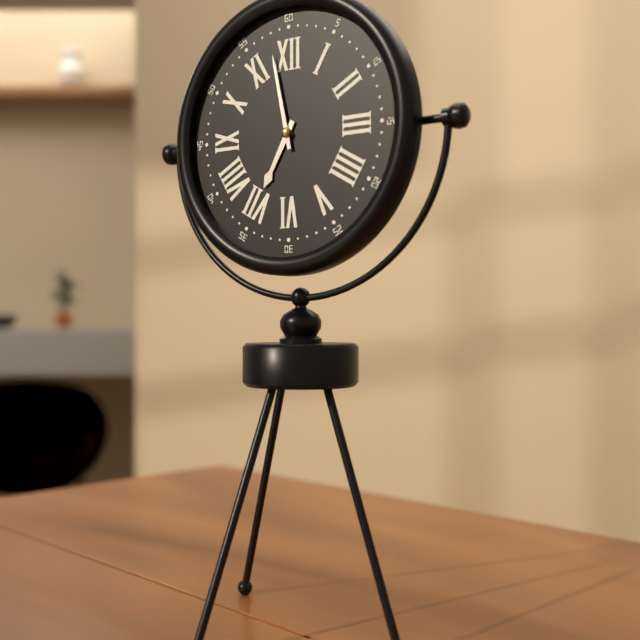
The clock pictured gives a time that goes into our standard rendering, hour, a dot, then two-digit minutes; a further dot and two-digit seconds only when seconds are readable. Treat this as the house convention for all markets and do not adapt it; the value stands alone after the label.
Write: 6.58
